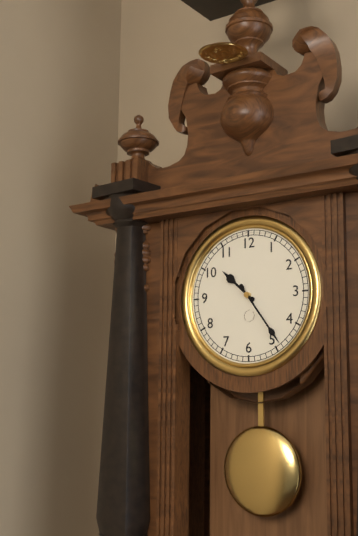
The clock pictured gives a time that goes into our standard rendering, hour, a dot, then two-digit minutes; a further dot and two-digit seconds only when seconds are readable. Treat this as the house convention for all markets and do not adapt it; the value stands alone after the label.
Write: 10.24
